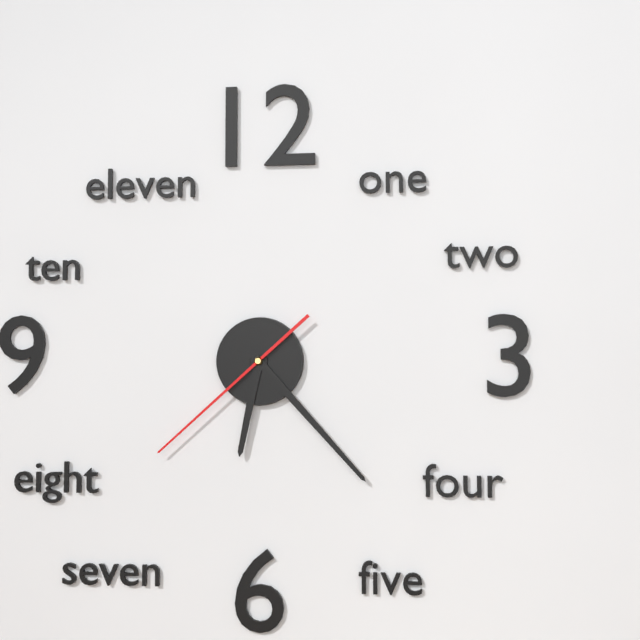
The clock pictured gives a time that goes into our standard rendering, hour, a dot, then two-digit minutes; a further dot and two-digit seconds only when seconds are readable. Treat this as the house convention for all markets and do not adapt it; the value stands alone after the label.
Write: 6.23.38
